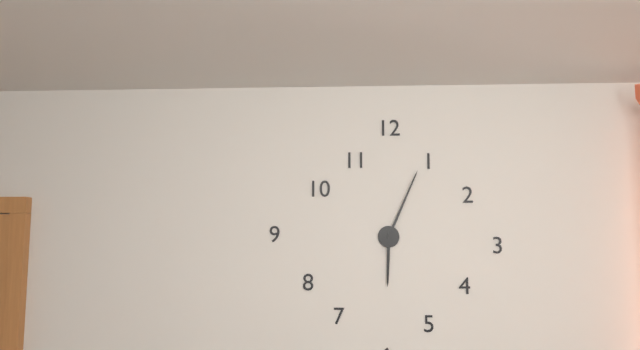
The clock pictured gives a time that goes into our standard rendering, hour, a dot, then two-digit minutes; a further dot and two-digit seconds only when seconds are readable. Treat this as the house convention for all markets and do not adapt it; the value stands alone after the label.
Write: 6.04
